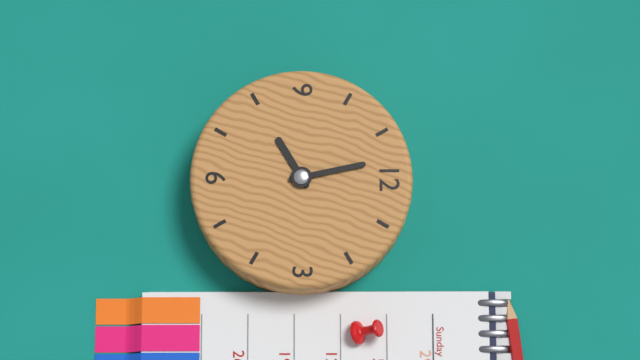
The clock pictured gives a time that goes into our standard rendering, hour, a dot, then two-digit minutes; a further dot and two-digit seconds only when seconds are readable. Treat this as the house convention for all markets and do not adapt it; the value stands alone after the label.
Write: 7.58
